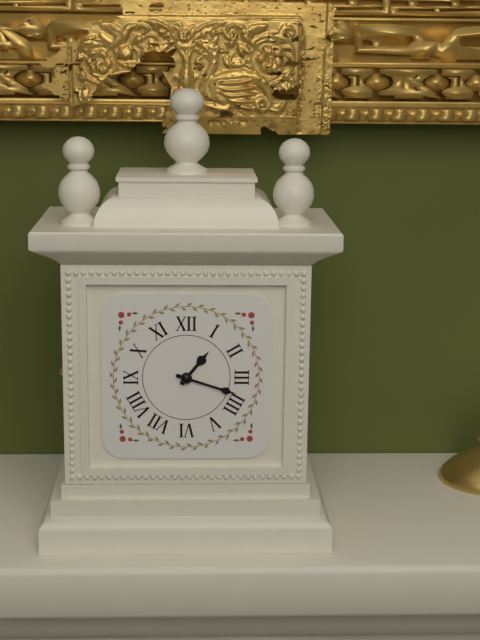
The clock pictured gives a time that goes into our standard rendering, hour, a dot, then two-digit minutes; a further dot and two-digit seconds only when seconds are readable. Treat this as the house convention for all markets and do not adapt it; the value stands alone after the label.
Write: 1.18
